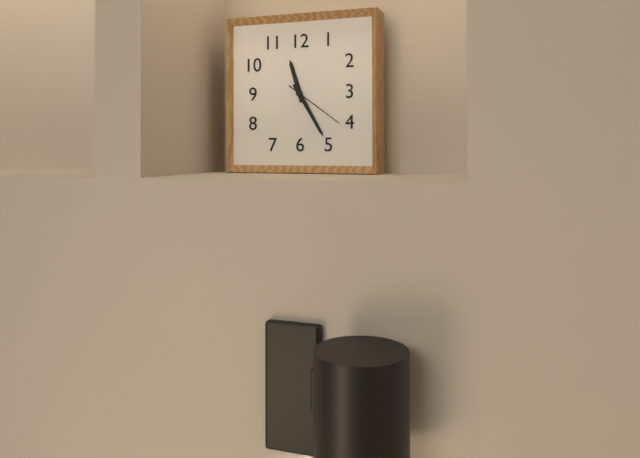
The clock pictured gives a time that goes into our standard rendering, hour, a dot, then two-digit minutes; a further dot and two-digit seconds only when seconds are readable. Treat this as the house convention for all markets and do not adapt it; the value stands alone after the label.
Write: 11.25.21
